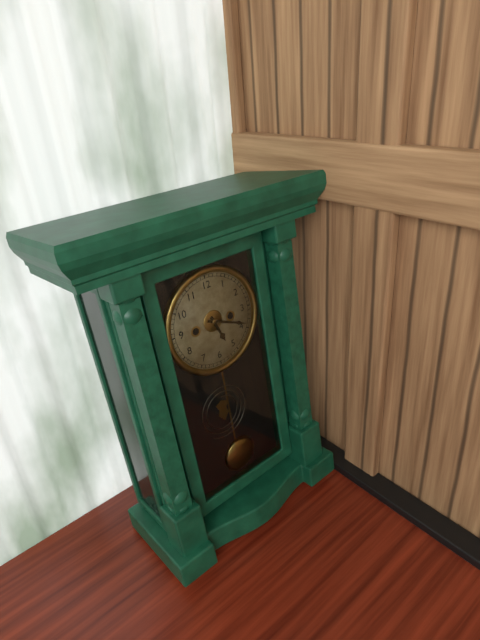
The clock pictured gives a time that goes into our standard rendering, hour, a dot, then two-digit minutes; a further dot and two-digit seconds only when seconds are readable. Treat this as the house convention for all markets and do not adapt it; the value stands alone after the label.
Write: 5.19
